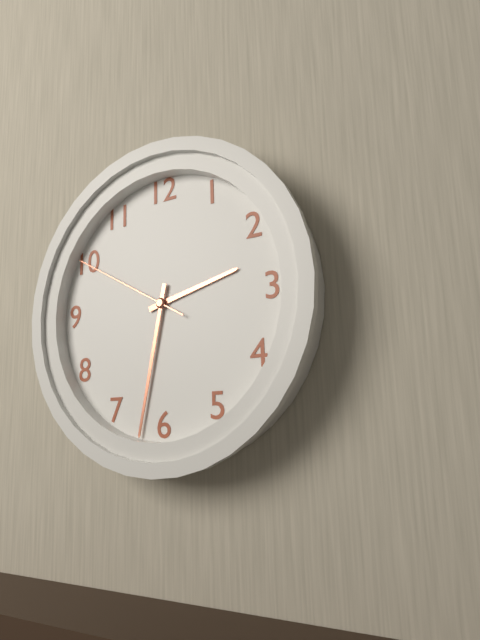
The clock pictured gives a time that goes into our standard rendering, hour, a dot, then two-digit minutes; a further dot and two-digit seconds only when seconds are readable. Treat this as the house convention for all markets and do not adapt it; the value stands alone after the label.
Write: 2.32.50
